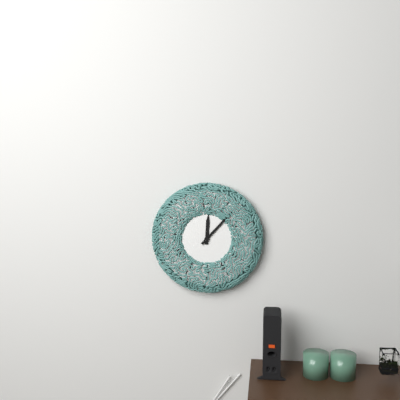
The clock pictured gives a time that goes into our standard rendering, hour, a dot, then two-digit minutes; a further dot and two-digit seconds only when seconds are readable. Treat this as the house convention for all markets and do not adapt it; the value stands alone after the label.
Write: 12.07
